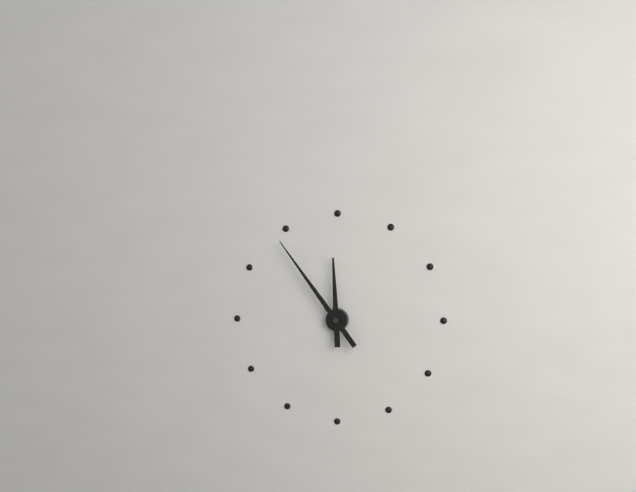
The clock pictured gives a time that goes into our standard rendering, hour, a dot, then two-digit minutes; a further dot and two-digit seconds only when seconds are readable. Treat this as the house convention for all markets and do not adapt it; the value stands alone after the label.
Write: 11.54
